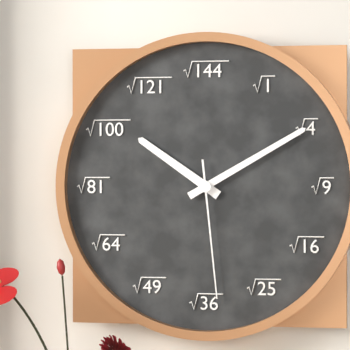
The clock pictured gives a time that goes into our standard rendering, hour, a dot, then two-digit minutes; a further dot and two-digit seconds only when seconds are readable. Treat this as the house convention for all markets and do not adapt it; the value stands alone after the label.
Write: 10.10.29
